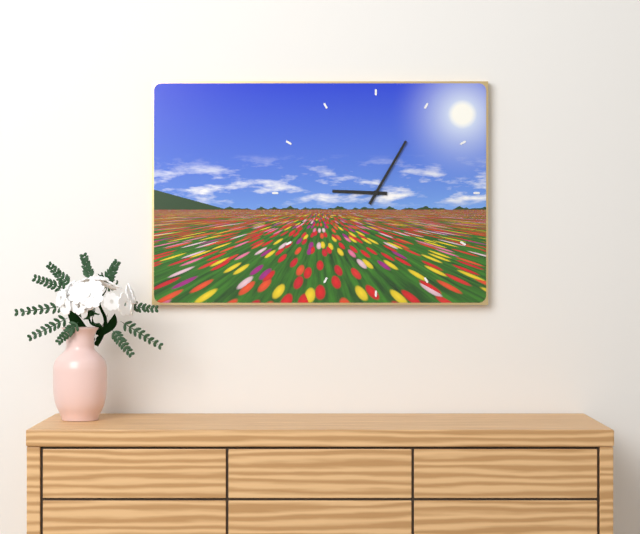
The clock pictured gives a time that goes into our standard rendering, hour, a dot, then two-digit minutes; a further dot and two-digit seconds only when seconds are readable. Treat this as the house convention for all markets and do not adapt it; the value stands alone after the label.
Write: 9.05
